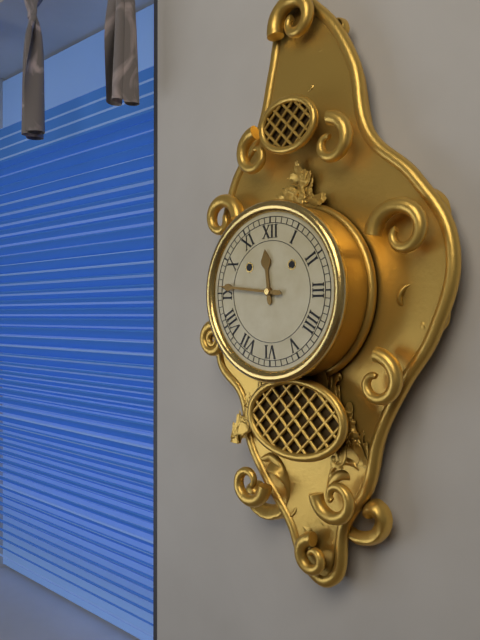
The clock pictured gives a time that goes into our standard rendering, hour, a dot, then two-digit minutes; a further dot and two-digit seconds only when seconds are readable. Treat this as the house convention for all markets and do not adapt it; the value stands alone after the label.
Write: 11.46
